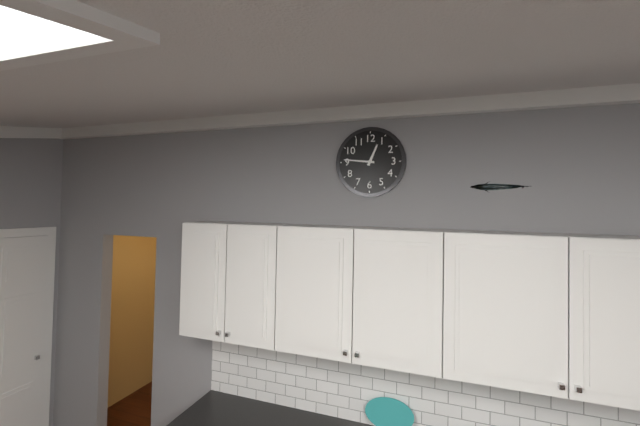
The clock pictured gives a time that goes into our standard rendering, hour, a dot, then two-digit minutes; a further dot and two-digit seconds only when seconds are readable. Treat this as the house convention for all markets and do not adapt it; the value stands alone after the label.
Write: 12.46
